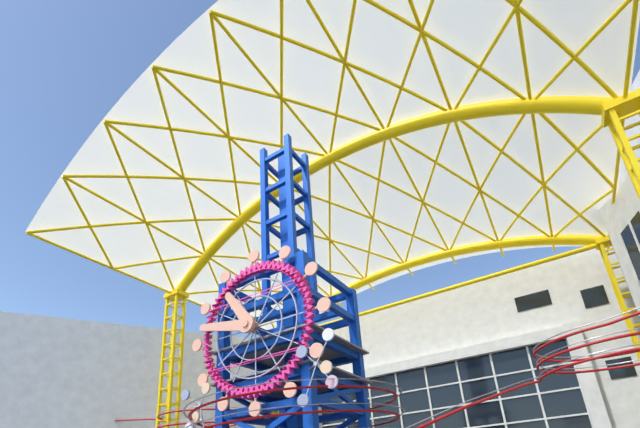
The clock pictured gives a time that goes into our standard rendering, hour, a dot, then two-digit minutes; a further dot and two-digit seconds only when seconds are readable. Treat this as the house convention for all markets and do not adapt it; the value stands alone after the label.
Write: 10.47
